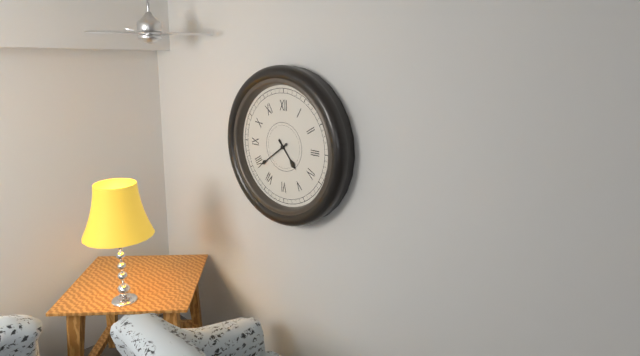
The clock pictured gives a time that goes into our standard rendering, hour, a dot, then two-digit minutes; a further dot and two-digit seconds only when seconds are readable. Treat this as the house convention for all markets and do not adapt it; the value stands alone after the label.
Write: 4.39
